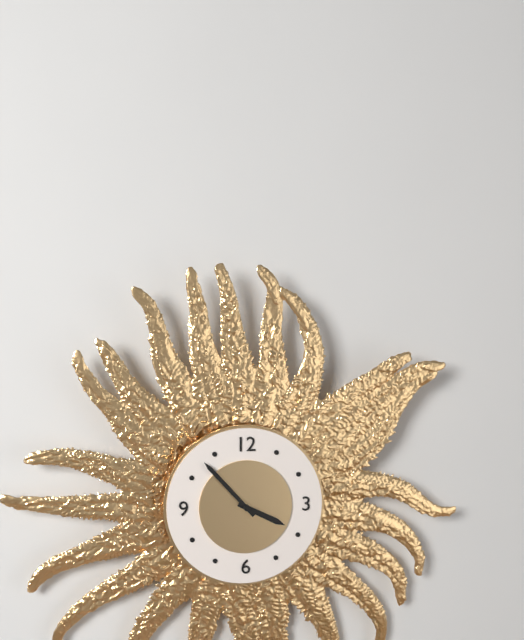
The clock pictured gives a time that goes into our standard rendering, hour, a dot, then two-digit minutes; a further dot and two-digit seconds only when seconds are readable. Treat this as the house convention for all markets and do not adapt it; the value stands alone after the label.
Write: 3.53
